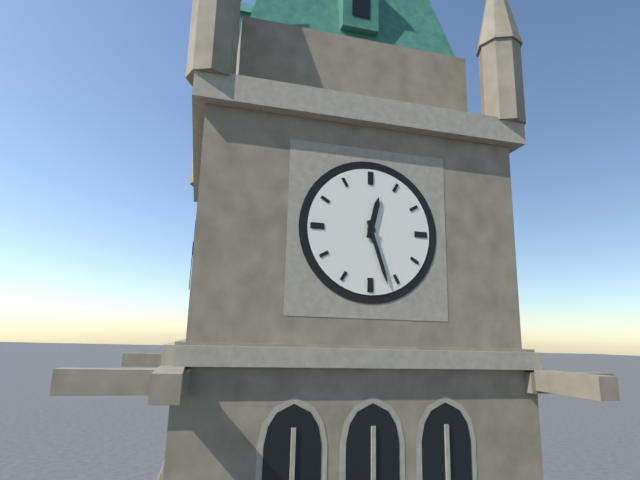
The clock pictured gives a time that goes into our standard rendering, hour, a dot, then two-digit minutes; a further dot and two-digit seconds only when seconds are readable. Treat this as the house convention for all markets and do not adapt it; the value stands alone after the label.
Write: 12.27
